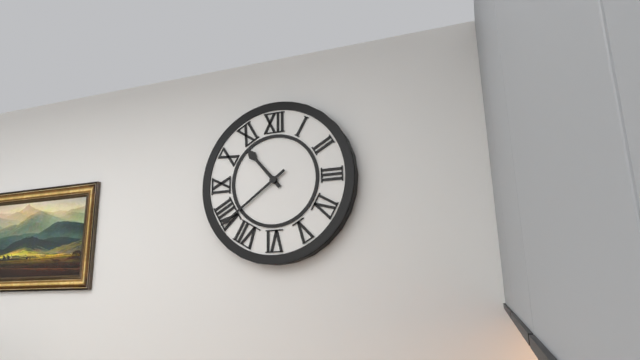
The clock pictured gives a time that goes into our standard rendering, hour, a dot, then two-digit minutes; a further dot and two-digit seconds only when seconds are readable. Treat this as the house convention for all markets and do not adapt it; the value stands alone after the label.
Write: 10.39
